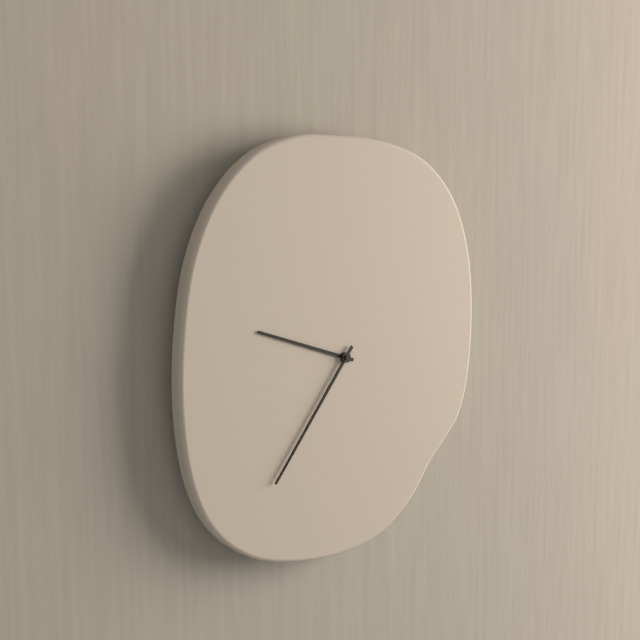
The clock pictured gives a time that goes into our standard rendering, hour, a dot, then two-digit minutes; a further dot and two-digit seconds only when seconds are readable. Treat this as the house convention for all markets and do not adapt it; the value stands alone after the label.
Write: 9.36
